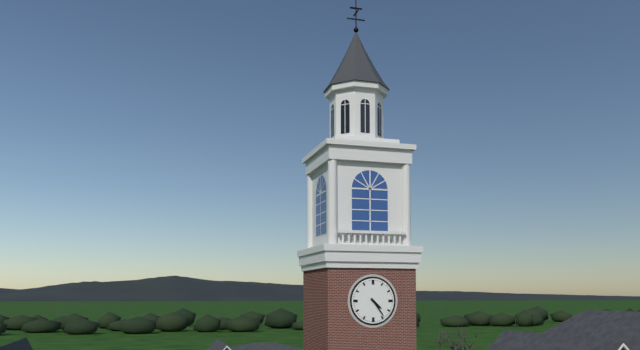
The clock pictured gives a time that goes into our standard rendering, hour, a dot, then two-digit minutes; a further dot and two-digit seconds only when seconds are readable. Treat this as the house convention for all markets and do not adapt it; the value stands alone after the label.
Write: 4.24
